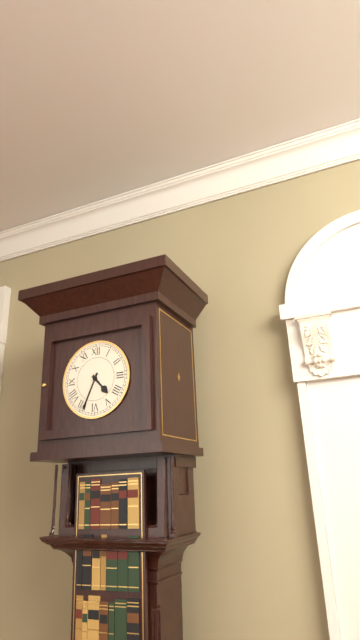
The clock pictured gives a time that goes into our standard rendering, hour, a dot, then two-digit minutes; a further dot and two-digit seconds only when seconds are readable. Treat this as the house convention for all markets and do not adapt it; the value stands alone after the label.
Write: 4.34
